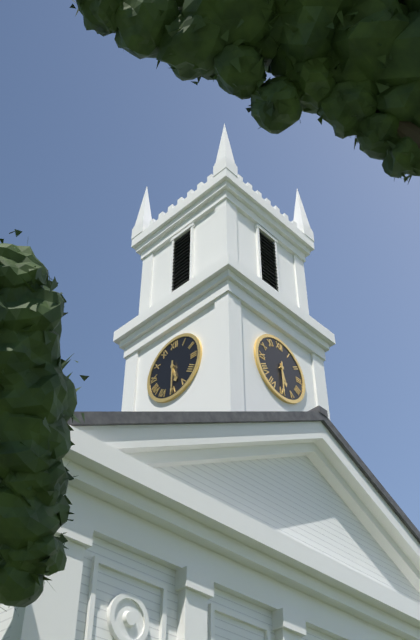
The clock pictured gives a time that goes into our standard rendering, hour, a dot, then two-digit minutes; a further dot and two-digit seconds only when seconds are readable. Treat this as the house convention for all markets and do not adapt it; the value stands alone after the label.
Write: 5.30
